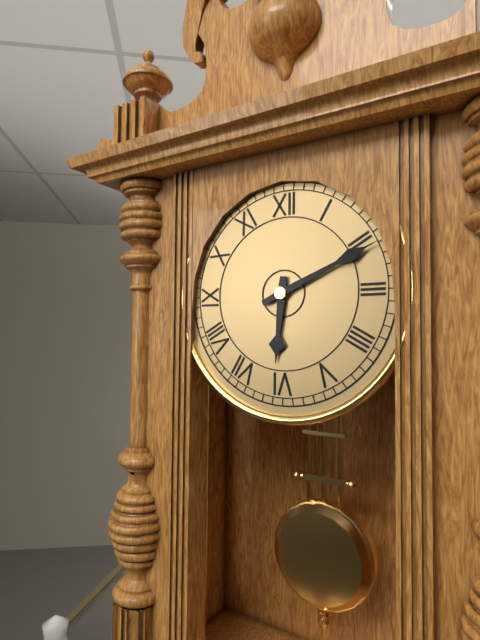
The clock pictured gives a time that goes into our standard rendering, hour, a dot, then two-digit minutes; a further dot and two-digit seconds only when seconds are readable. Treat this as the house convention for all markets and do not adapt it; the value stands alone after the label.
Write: 6.11
